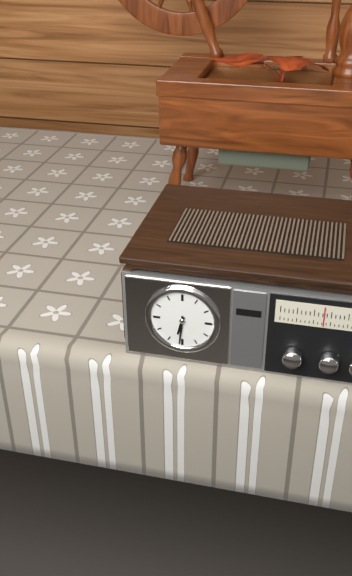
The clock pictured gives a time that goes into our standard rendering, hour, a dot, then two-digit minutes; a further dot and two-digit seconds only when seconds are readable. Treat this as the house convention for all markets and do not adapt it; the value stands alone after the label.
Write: 6.31
